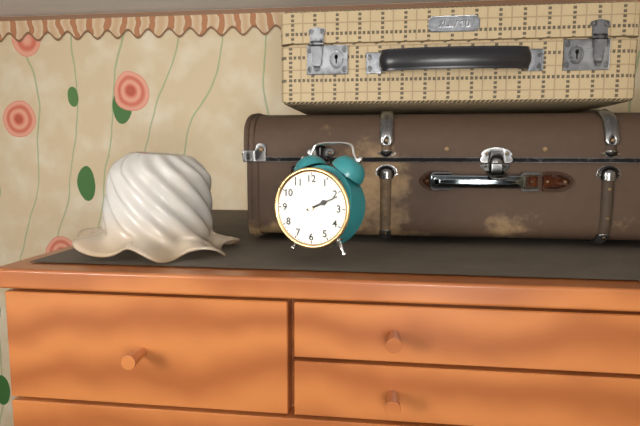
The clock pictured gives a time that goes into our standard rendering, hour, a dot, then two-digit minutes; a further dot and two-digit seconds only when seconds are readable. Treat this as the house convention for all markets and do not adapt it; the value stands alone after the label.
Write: 2.11
